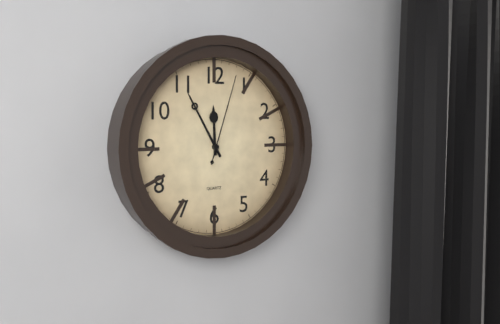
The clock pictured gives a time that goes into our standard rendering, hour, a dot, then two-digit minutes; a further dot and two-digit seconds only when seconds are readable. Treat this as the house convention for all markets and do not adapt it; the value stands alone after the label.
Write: 11.55.03
